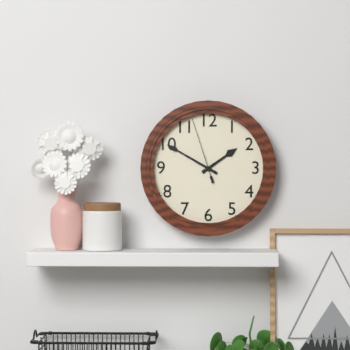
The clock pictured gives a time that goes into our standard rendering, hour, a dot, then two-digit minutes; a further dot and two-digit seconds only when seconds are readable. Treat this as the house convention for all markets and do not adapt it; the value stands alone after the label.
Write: 1.50.57
